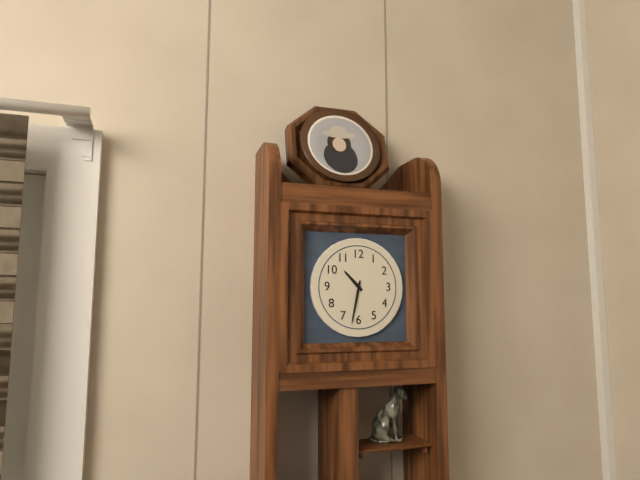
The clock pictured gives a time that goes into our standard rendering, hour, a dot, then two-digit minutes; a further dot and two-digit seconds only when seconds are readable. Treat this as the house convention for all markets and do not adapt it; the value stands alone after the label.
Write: 10.32
